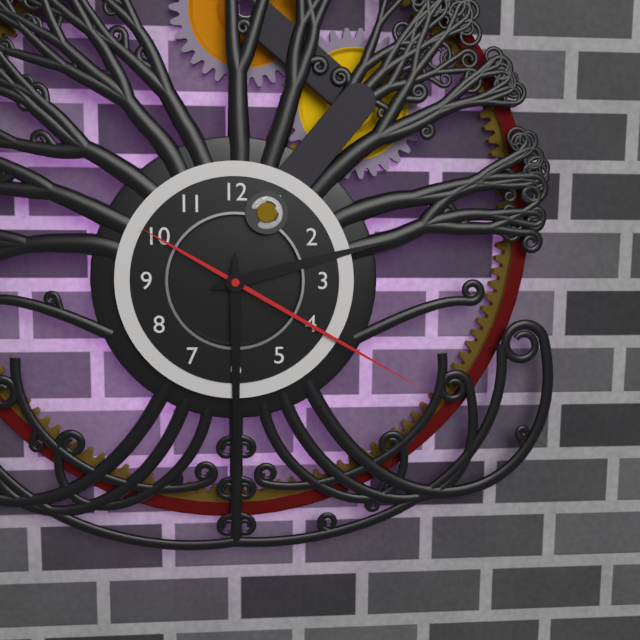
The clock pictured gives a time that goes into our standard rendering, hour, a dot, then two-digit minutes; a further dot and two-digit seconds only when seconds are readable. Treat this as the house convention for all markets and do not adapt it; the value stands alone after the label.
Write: 2.30.20
